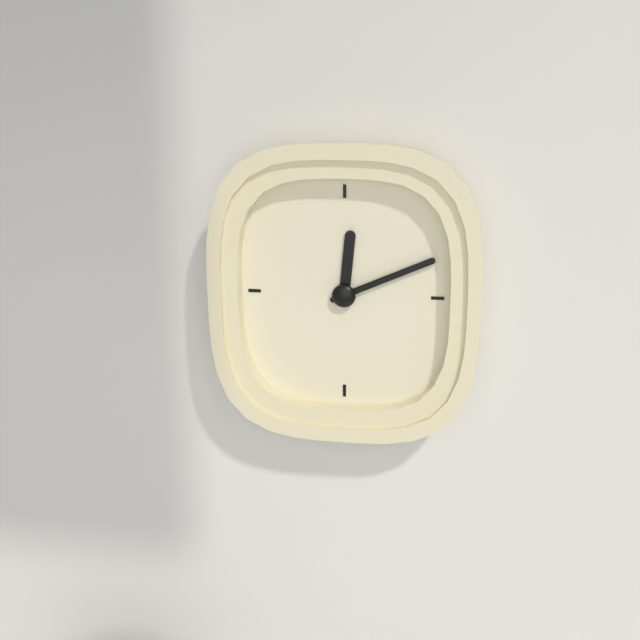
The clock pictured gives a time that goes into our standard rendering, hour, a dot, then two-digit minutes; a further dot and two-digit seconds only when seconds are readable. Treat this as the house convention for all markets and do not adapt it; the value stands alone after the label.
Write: 12.11
